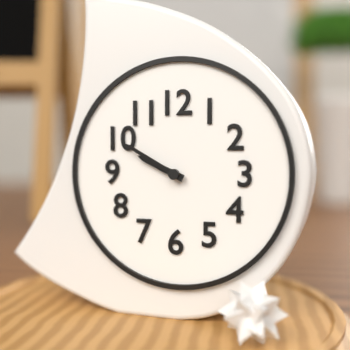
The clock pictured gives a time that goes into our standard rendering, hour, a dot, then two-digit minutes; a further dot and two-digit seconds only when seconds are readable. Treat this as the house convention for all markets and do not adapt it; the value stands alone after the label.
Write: 9.50
